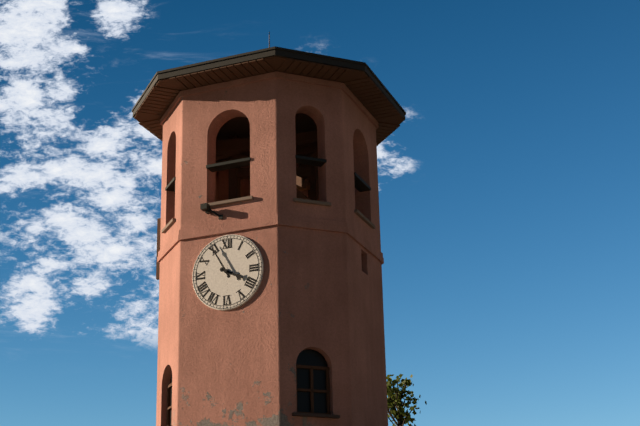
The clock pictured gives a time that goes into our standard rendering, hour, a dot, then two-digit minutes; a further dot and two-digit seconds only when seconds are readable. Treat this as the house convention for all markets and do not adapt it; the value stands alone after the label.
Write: 3.55
